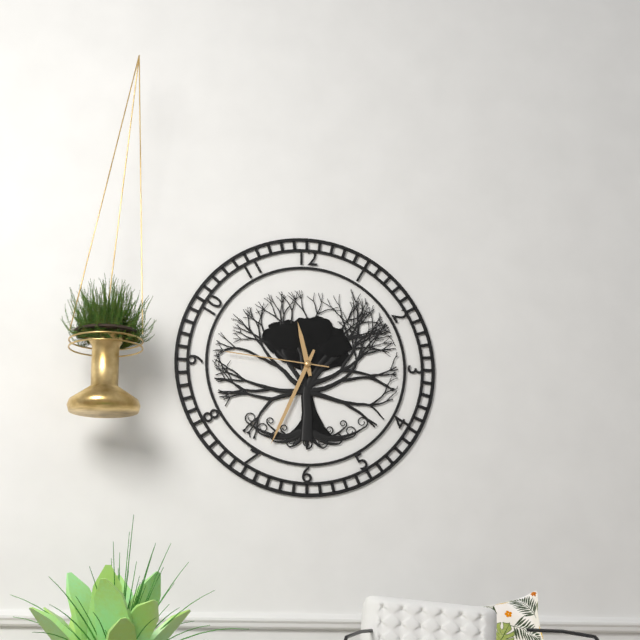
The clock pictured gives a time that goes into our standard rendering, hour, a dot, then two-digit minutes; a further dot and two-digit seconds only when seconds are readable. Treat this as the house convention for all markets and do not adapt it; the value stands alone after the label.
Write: 11.34.46
